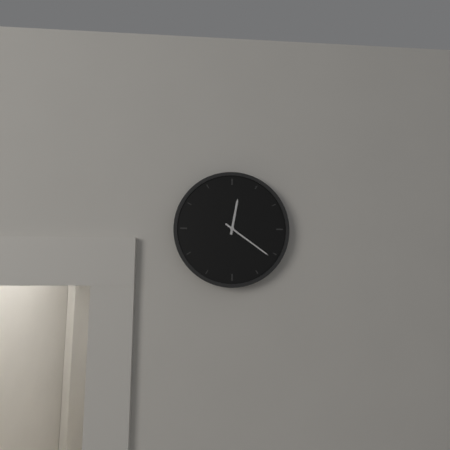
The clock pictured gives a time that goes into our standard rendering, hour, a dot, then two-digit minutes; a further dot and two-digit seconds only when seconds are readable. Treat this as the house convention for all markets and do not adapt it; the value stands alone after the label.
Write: 12.21
